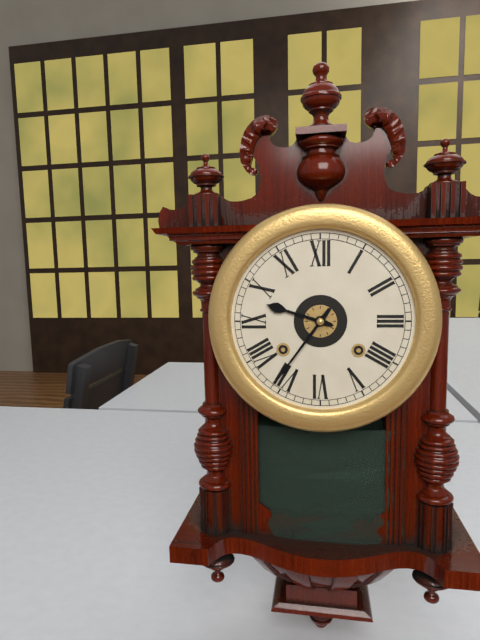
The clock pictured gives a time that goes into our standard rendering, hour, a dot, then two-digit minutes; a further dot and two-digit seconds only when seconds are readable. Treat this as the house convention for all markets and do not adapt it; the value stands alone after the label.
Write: 9.36
